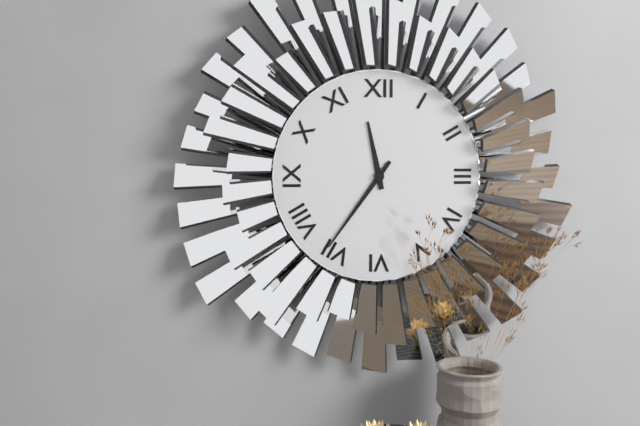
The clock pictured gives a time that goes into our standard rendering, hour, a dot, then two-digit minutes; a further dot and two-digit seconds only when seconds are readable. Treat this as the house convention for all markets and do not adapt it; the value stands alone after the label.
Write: 11.36
